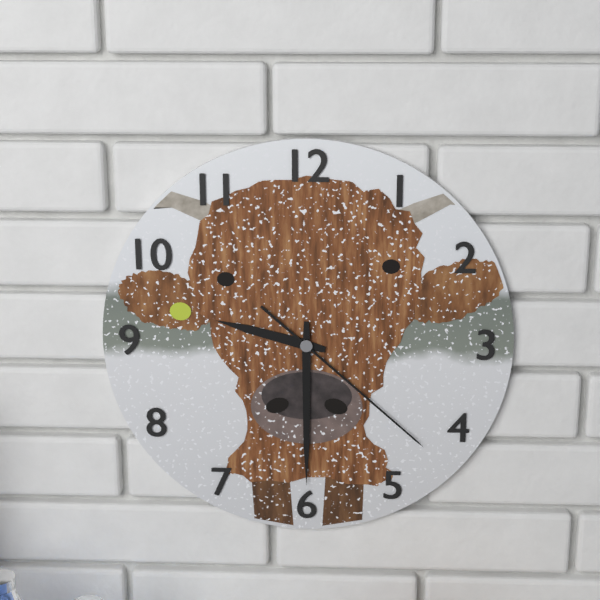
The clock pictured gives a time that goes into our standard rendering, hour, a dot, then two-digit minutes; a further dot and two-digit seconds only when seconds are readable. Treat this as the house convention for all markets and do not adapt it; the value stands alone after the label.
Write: 9.30.22
